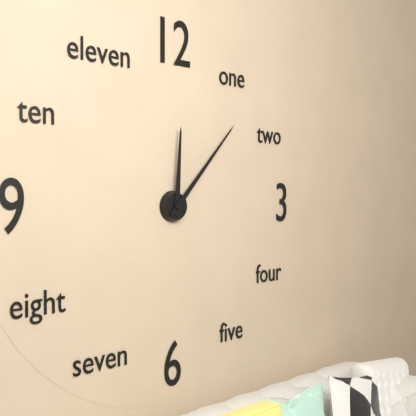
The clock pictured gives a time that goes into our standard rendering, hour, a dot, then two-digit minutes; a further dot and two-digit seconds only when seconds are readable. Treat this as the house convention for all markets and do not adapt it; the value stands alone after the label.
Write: 12.07
